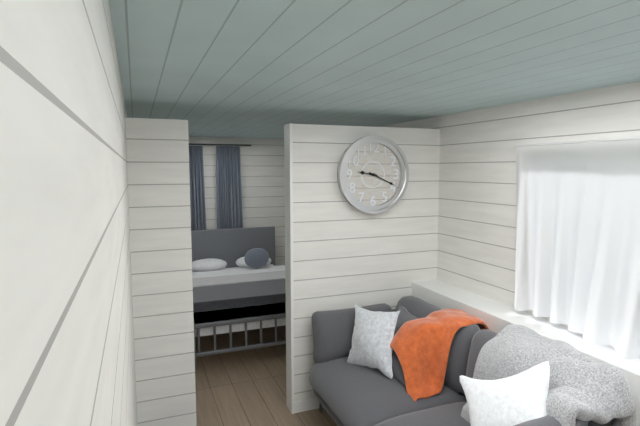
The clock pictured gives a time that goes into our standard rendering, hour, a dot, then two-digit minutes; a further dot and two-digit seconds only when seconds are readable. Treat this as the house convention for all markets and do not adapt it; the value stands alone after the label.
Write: 9.19
